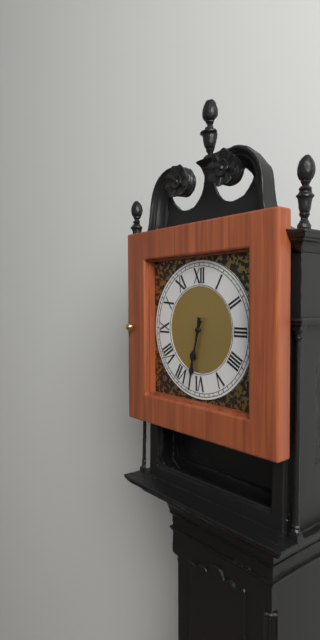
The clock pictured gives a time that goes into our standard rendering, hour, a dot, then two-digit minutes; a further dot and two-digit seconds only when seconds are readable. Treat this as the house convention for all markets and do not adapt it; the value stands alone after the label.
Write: 6.32
